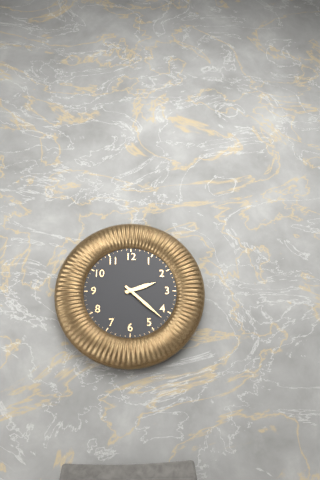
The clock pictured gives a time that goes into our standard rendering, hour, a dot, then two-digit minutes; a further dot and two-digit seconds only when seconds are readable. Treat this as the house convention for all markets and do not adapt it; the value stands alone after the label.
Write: 2.22
